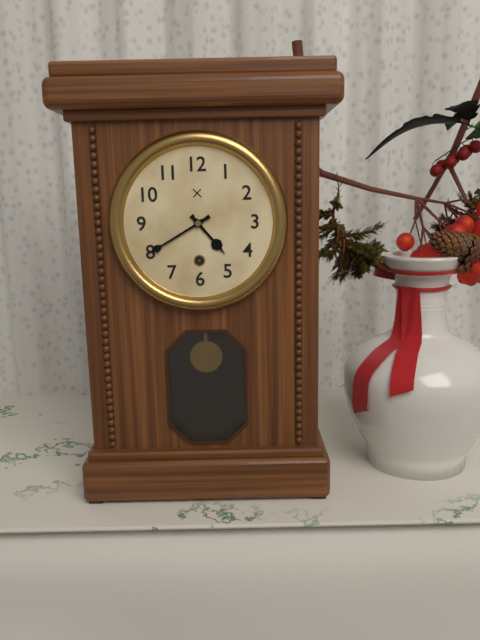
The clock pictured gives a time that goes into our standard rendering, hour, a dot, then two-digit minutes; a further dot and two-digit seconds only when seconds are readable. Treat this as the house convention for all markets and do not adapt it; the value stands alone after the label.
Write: 4.40
